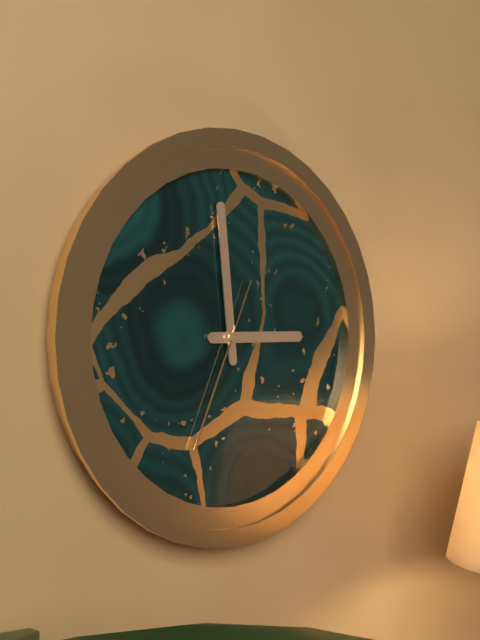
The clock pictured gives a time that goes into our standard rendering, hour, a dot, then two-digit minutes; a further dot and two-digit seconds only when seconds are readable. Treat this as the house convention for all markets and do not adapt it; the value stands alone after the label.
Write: 2.59.34
